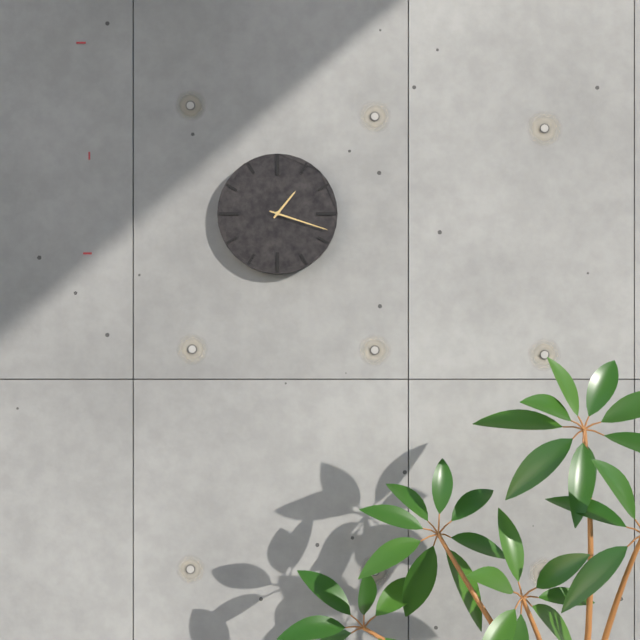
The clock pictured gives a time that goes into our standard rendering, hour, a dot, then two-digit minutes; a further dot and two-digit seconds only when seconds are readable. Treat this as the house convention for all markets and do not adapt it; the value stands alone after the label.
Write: 1.18
